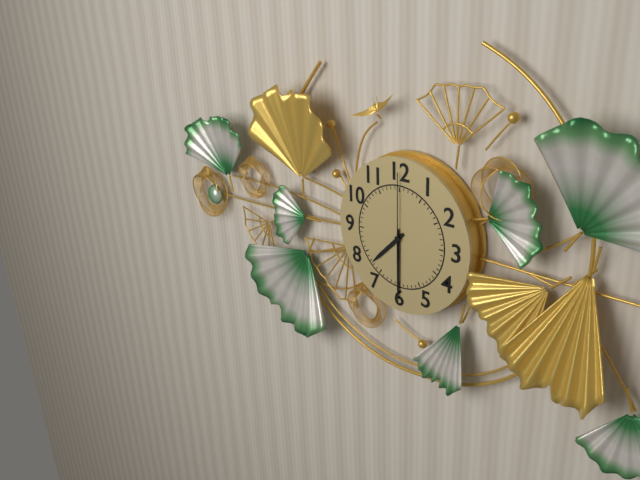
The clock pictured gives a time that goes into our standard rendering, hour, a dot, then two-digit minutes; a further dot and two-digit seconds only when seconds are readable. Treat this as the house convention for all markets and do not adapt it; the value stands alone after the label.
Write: 7.30.00
